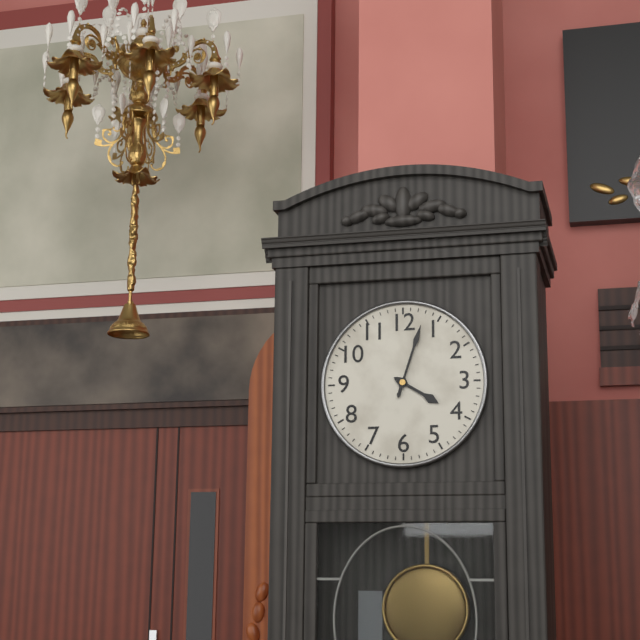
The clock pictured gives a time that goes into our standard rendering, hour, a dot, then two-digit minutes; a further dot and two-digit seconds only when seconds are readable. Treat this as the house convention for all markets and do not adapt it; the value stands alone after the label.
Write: 4.03
